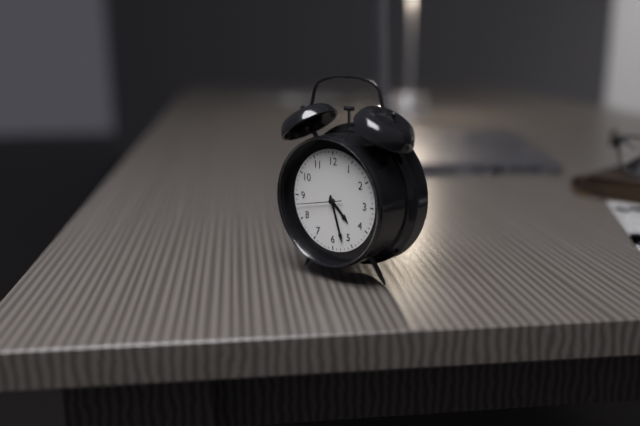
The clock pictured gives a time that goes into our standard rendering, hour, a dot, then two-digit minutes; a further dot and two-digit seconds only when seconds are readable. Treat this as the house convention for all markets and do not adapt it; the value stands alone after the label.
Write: 4.27
